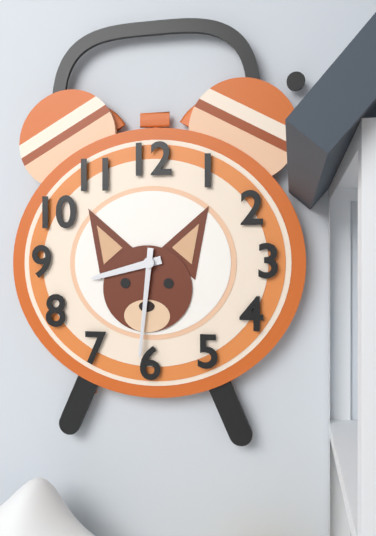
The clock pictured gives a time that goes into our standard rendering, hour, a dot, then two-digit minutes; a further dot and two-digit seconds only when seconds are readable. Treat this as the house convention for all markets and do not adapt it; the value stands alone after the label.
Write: 8.31
